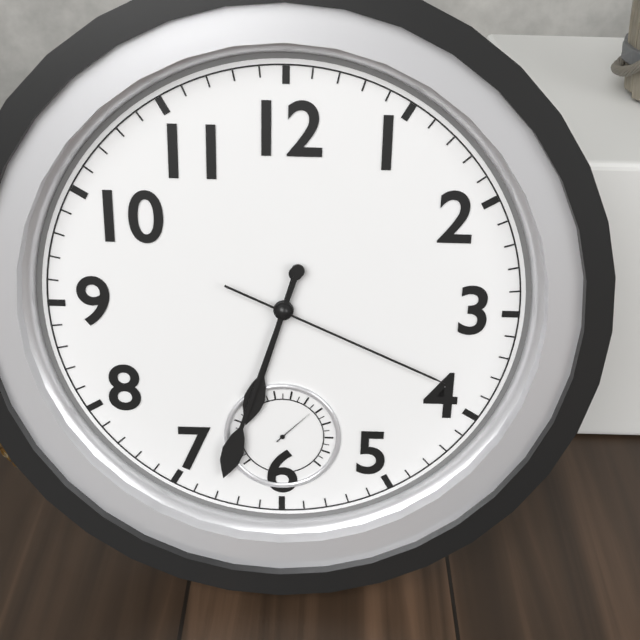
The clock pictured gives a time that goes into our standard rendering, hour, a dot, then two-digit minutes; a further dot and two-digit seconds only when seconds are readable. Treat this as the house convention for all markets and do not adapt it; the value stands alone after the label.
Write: 6.33.19
